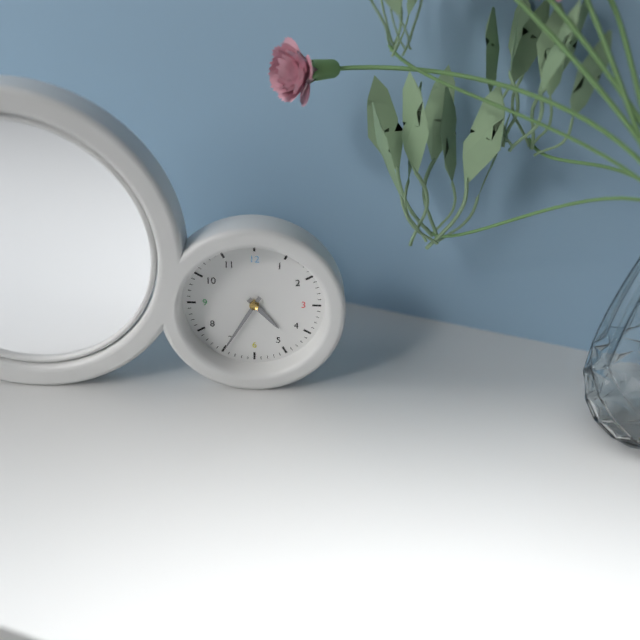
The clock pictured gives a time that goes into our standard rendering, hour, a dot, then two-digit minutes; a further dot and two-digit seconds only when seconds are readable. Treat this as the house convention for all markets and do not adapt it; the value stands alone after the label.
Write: 4.35
